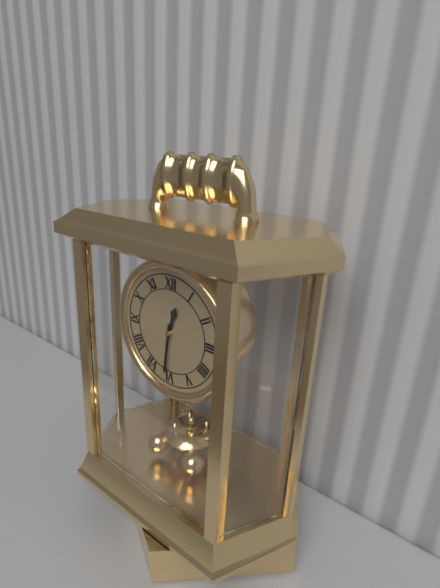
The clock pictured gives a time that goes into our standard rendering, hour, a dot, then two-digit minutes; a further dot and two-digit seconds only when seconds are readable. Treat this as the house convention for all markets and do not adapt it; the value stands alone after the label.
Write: 12.31
